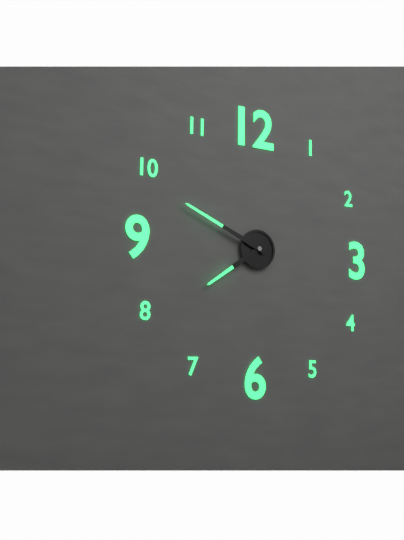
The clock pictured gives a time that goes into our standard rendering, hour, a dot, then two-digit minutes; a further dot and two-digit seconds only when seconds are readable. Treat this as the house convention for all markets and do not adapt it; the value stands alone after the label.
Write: 7.49
